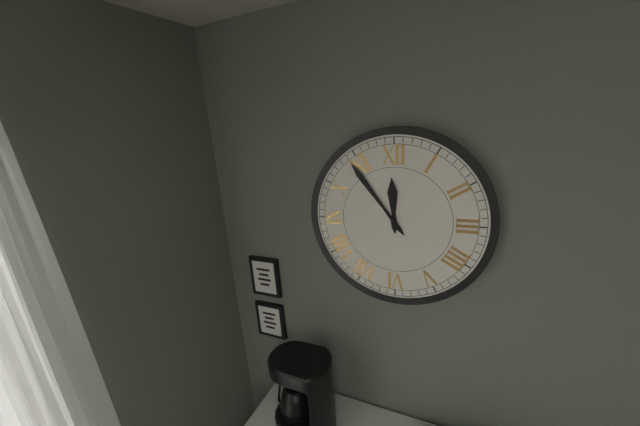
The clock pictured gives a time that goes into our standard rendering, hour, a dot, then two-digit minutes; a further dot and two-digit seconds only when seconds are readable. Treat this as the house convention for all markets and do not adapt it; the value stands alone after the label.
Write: 11.54
